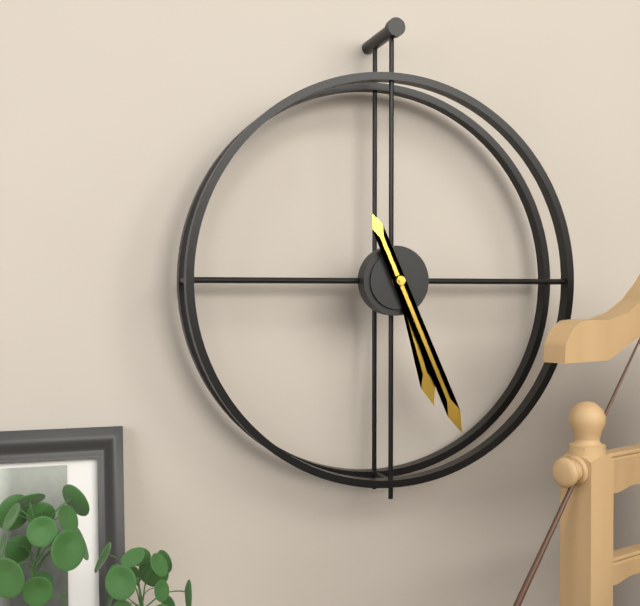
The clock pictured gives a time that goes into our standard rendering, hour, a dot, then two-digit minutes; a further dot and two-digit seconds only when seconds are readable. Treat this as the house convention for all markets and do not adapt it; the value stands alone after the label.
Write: 5.26
